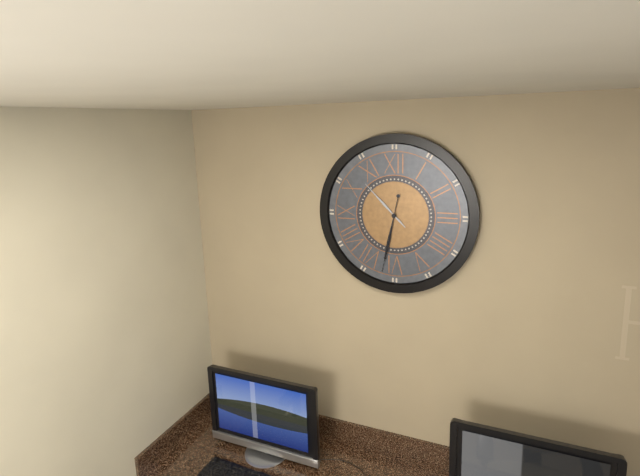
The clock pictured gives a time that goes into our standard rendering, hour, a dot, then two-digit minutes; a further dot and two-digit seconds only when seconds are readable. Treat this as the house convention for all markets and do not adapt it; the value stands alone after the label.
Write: 10.32
